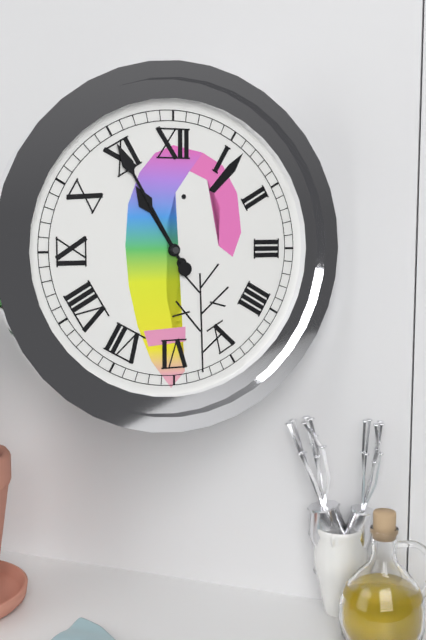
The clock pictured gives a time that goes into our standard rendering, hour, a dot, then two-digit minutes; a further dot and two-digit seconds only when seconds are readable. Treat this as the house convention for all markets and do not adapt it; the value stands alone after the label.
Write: 10.55
